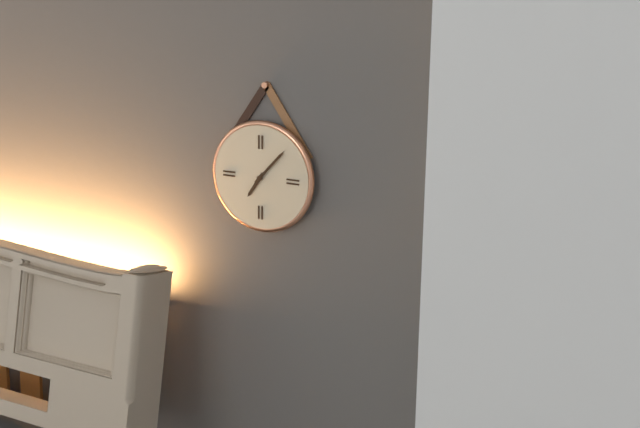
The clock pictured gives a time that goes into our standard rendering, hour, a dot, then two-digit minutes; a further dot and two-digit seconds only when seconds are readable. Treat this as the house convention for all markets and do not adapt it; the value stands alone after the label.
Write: 7.07
